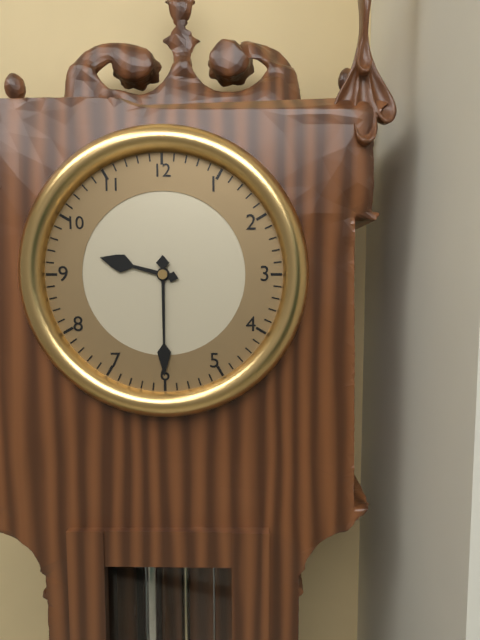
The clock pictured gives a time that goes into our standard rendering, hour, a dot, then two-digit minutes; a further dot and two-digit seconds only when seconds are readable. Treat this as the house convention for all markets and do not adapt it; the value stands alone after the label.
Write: 9.30
